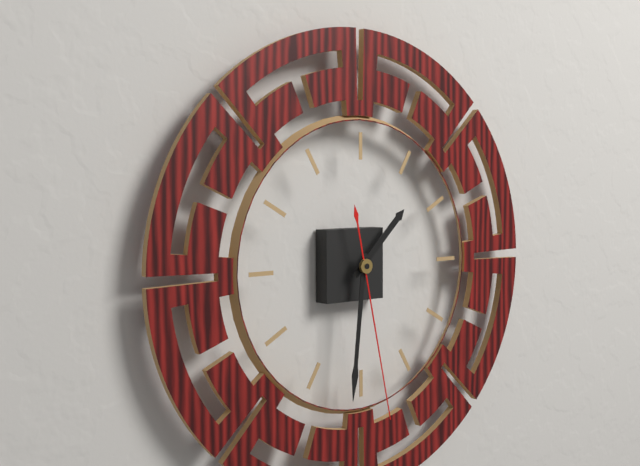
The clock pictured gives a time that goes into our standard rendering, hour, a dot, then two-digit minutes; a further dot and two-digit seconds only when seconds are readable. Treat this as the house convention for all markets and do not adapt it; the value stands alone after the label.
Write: 1.31.28
